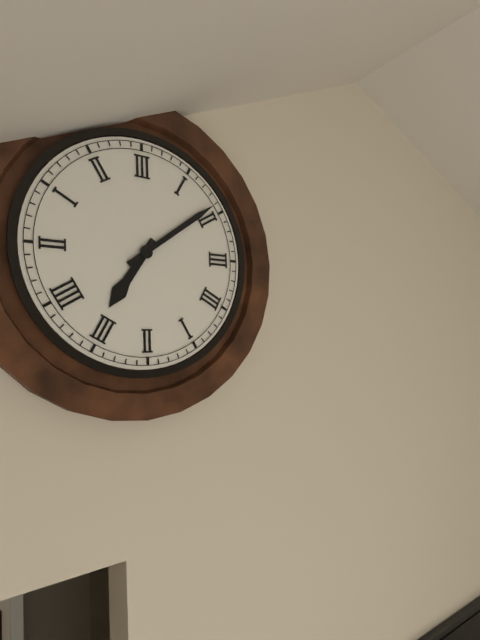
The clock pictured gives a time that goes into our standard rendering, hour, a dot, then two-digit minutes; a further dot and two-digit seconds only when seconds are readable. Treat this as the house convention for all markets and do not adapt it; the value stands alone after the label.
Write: 7.09
